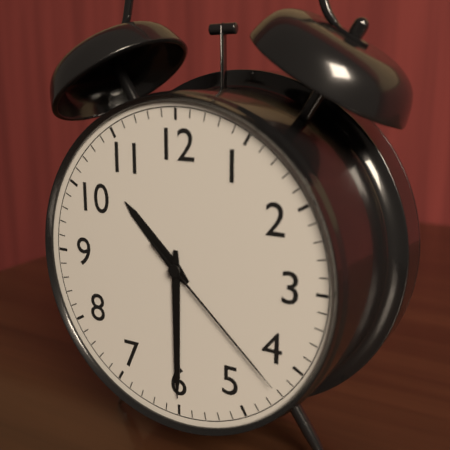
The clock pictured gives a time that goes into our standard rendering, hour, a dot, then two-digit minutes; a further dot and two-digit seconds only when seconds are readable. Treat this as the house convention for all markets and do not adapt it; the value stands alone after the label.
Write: 10.30.22
